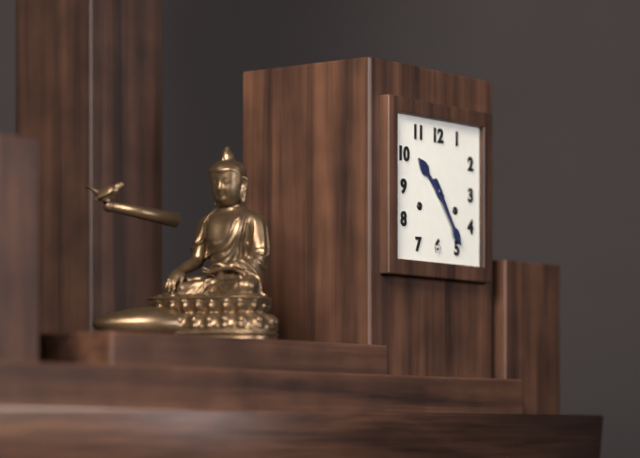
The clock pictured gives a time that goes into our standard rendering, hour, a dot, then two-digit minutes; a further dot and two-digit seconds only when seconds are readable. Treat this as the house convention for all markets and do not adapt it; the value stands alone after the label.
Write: 10.24
